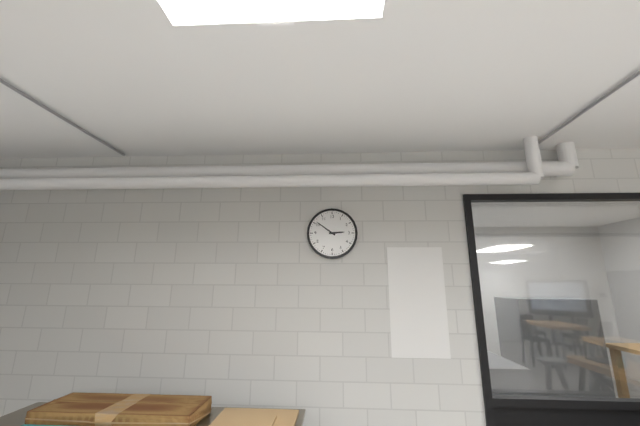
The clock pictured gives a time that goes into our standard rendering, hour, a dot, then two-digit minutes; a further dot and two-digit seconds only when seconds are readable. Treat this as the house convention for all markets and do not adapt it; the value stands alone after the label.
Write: 2.51
